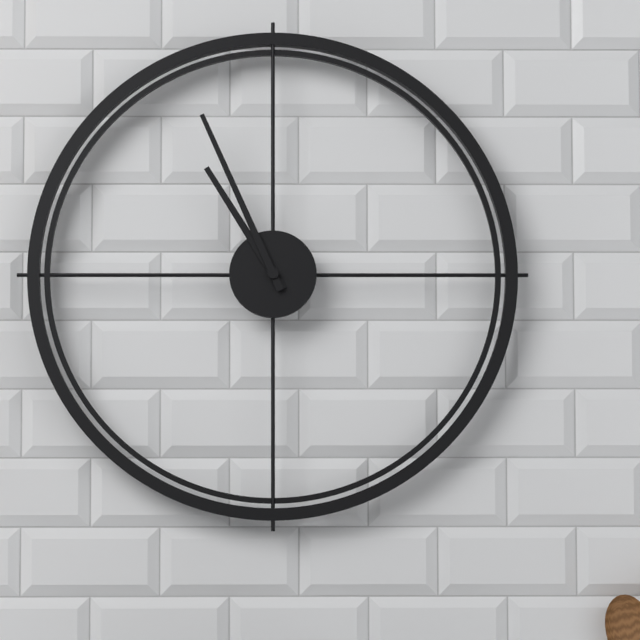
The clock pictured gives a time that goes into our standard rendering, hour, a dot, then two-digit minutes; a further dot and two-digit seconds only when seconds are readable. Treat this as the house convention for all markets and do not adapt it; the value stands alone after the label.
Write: 10.56
